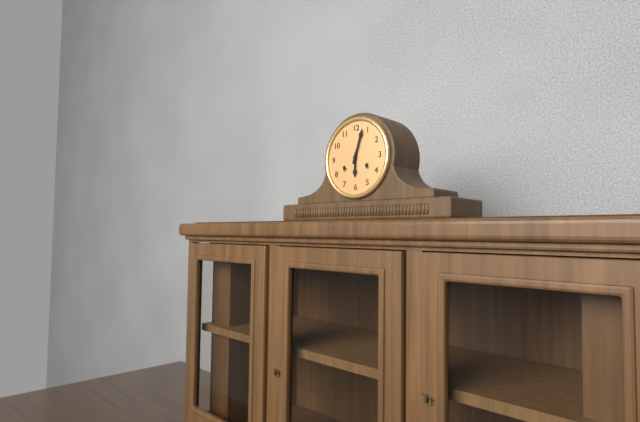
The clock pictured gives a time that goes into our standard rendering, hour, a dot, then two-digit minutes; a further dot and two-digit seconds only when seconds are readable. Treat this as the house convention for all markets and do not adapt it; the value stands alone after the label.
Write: 6.03
